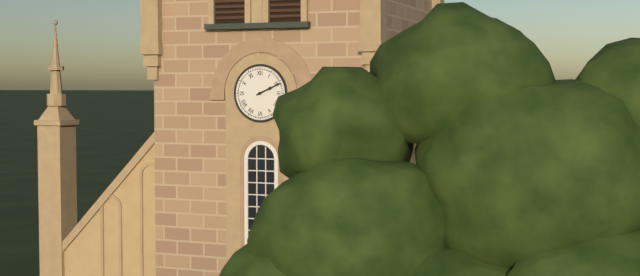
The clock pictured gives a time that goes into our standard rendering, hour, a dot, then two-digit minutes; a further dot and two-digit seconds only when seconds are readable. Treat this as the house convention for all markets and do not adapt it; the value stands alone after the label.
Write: 2.11
